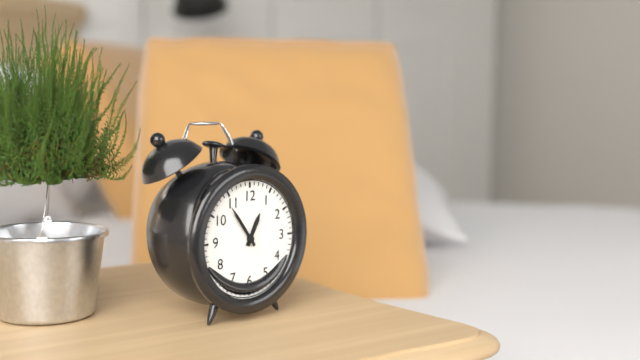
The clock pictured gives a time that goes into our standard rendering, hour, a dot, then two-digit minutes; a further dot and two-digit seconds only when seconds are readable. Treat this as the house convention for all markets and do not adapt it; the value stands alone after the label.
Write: 12.54
